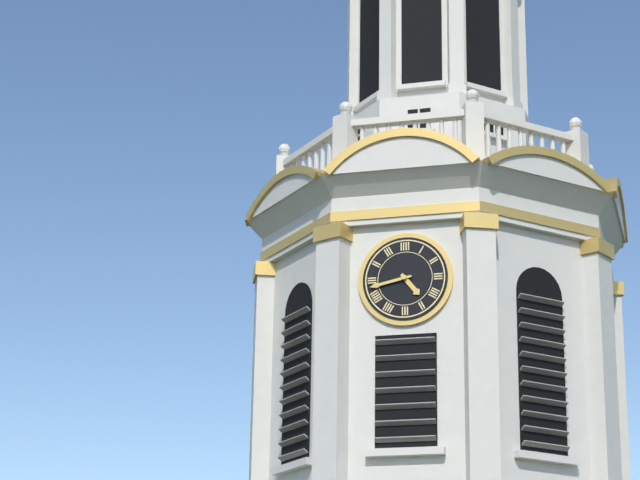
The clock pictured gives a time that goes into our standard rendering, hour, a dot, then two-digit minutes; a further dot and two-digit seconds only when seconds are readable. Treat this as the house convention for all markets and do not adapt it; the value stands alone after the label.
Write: 4.43
